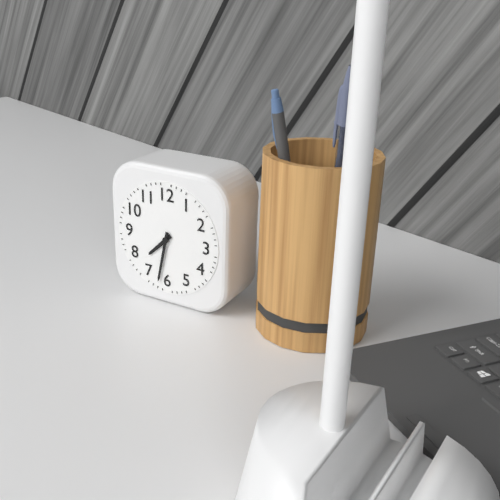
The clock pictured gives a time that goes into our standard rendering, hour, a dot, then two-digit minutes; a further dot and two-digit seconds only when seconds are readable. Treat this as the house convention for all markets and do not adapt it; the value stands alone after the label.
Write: 7.32
